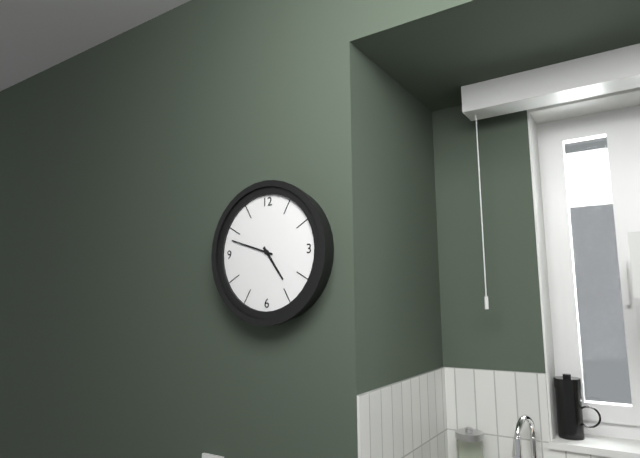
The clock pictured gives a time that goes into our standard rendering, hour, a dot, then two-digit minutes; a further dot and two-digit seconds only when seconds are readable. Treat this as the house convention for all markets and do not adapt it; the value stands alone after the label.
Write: 4.48
